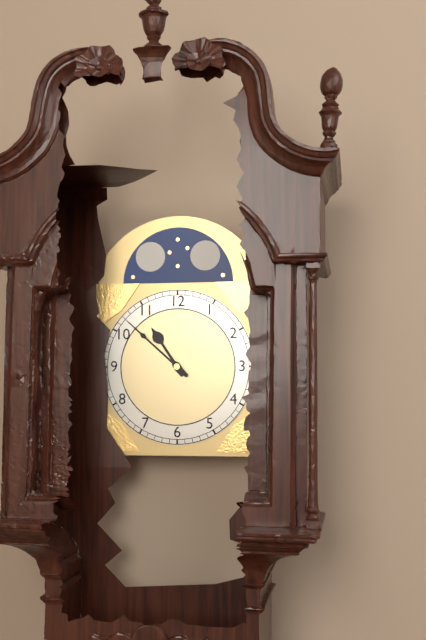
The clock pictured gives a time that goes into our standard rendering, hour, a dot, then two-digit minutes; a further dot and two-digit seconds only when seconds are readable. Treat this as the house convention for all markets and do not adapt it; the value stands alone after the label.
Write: 10.52
